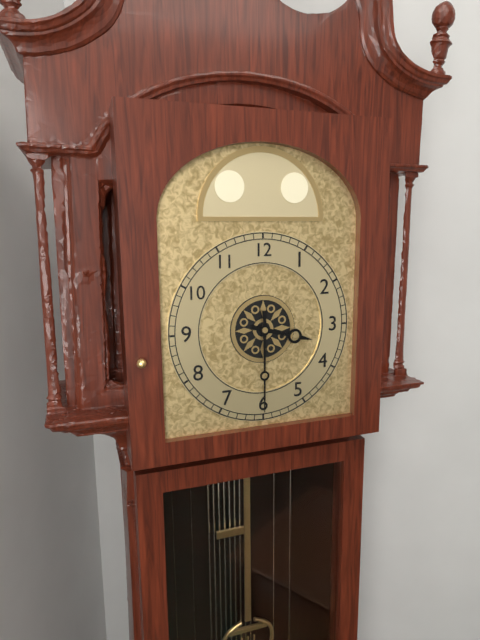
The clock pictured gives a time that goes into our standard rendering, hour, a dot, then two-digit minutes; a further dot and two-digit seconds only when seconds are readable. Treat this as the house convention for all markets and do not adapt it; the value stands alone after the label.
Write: 3.30
